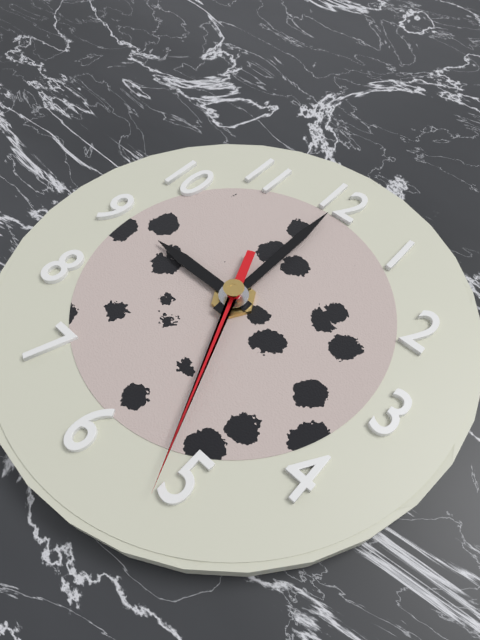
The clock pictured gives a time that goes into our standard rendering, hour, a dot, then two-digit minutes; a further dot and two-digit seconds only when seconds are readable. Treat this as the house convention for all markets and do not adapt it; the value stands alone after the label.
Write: 9.00.26
